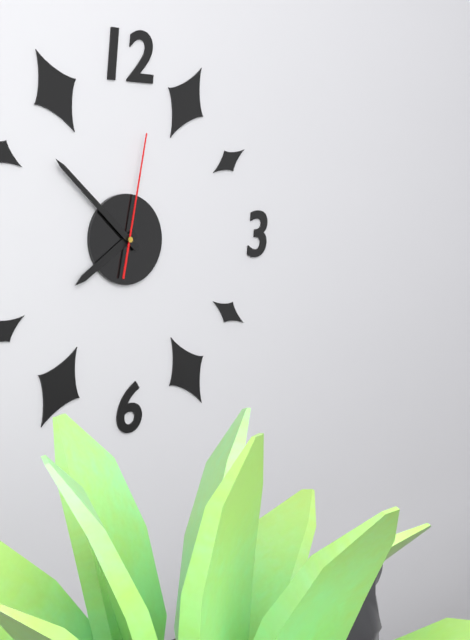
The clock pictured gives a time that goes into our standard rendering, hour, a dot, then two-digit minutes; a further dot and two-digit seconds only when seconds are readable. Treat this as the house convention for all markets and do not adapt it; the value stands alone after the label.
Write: 7.52.02
